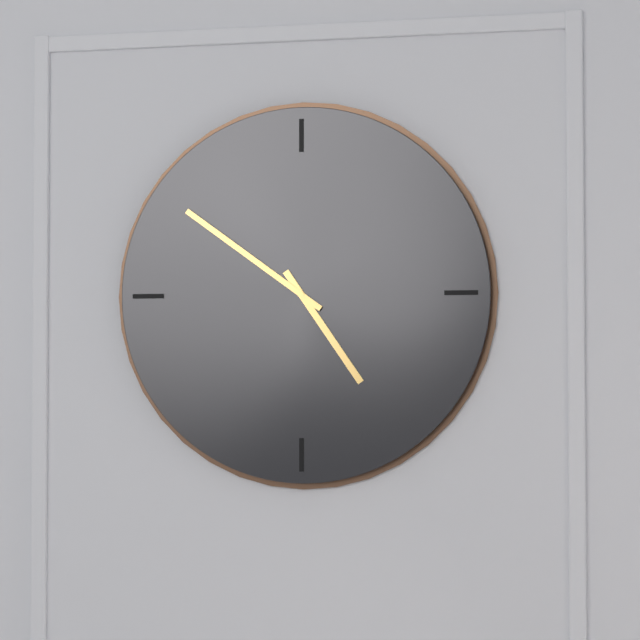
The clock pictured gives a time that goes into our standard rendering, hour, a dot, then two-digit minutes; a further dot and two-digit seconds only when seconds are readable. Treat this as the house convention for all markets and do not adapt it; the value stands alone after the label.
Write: 4.51
